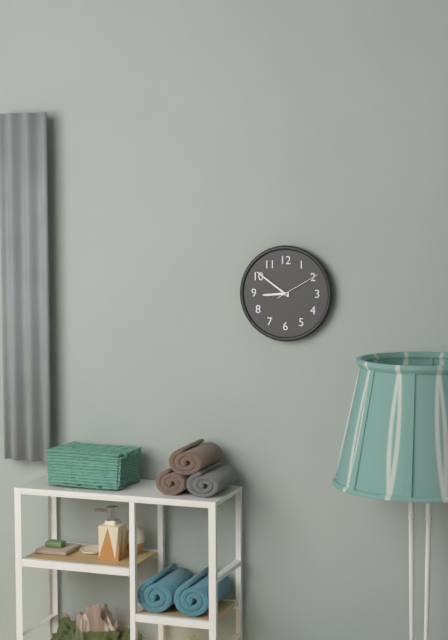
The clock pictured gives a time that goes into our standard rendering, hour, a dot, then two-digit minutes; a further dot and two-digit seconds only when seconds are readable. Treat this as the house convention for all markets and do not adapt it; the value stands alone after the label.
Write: 8.51
